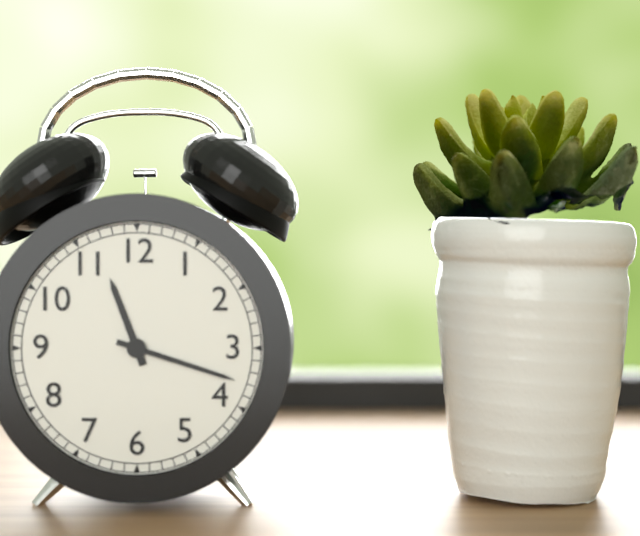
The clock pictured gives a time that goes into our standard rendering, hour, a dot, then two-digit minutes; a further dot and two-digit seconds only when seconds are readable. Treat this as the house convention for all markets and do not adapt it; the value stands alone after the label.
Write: 11.18
